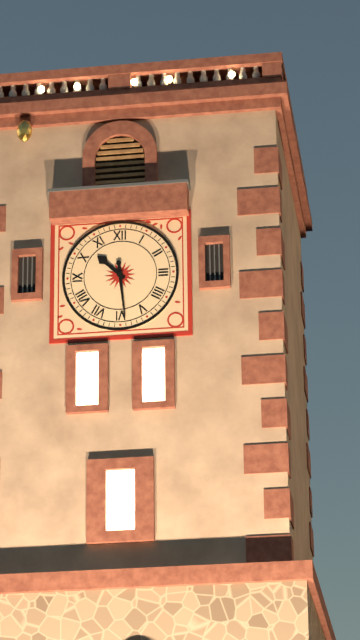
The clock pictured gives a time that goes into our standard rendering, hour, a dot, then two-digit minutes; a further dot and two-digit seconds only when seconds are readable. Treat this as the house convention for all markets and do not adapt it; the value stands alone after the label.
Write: 10.29
